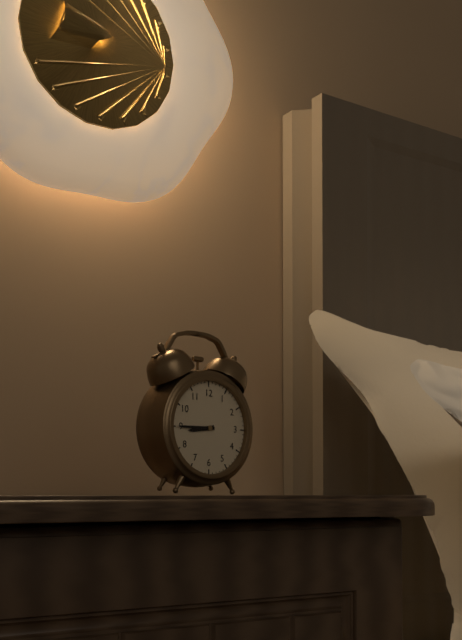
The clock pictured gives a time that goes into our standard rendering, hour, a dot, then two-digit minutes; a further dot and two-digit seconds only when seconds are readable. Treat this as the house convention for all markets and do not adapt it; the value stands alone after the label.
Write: 8.45
